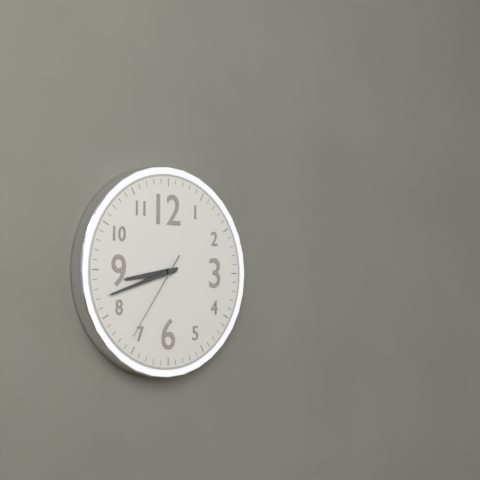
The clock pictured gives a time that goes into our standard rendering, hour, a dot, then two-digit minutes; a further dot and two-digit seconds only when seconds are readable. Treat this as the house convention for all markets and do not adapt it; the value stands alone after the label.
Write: 8.42.36
